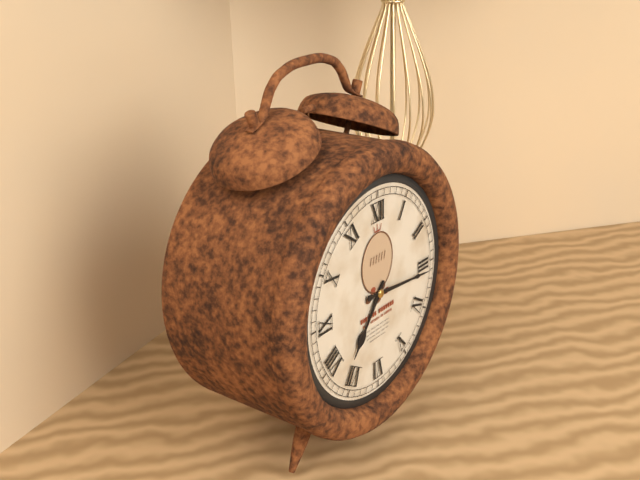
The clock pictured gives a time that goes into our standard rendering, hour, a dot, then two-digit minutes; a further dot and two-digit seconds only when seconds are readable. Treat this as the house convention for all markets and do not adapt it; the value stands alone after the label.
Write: 7.16
